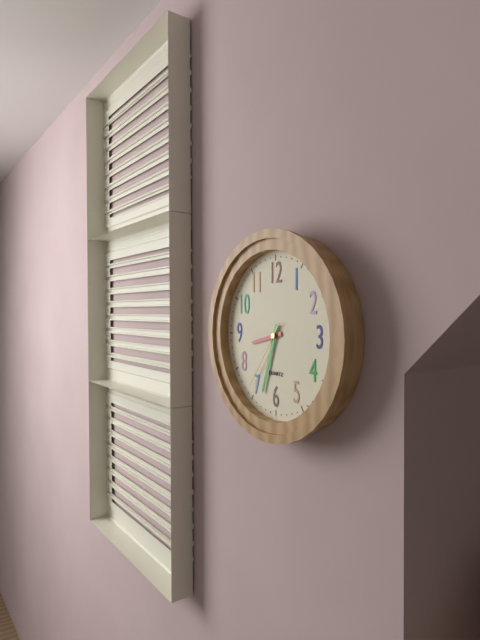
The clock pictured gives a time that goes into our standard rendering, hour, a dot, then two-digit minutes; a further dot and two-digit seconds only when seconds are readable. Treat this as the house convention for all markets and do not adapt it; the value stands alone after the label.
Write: 8.33.36
